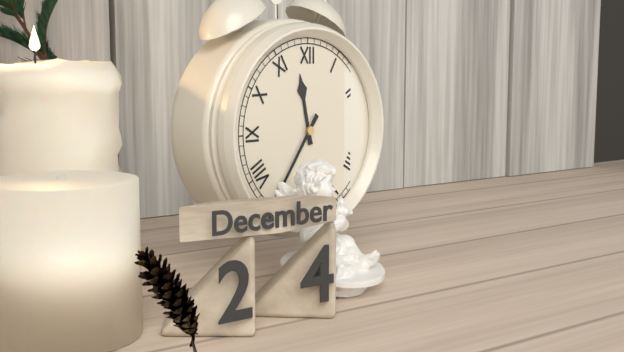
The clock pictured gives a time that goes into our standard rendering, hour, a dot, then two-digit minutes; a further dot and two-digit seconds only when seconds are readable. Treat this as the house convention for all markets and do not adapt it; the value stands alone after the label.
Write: 11.36
